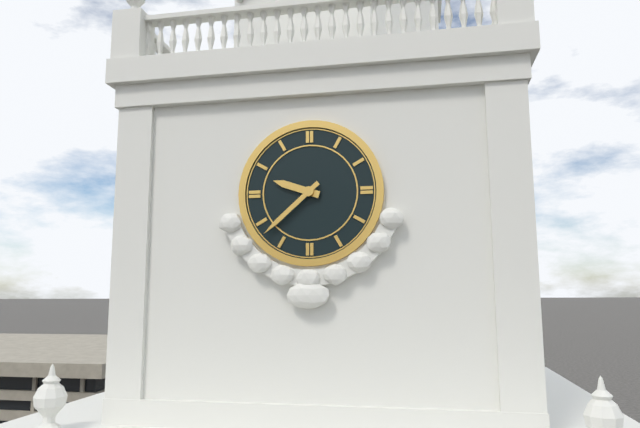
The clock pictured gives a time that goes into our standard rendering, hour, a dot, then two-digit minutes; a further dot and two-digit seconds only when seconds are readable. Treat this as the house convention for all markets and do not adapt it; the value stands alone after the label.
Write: 9.38
